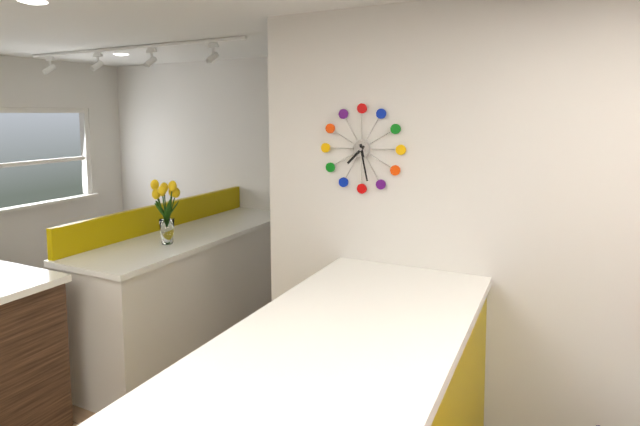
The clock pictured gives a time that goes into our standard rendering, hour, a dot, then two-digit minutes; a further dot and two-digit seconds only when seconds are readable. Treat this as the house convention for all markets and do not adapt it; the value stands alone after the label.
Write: 7.28
